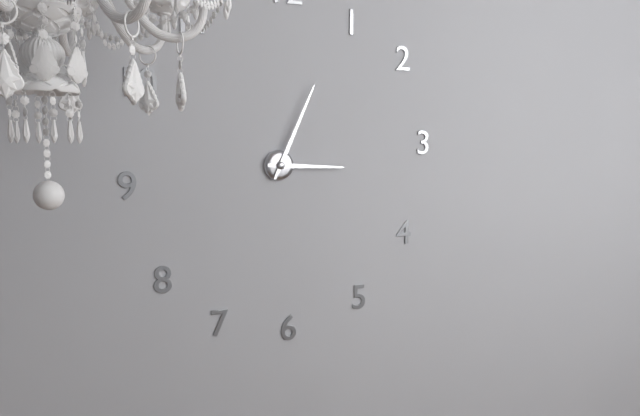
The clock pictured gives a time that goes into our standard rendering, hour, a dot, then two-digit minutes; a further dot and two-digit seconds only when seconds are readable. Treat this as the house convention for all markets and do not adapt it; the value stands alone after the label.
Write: 3.04
